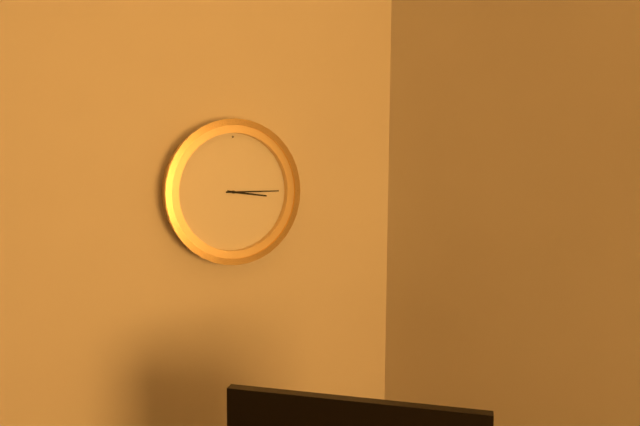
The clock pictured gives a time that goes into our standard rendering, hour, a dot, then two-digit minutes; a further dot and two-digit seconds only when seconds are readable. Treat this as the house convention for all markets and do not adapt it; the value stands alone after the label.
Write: 3.15
